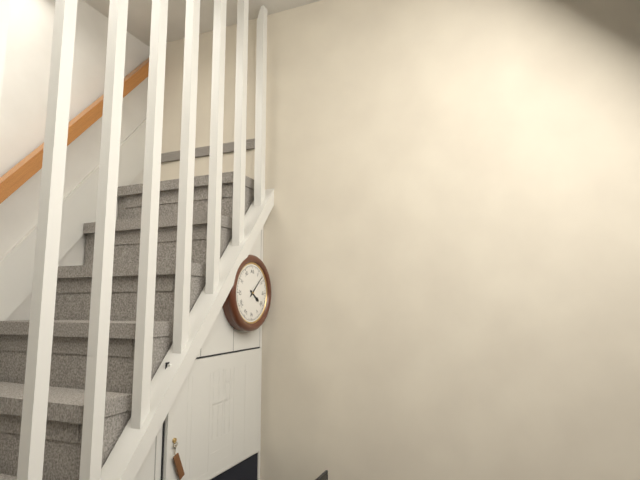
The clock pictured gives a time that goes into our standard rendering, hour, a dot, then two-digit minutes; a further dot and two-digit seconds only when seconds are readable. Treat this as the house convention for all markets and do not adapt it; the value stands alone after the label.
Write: 4.08
